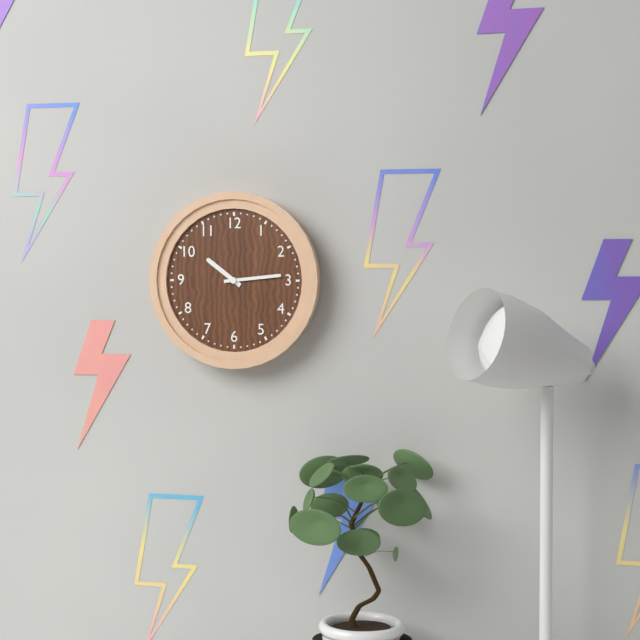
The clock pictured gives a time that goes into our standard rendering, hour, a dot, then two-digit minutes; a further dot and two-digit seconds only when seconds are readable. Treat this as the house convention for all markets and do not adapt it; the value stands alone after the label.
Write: 10.14
